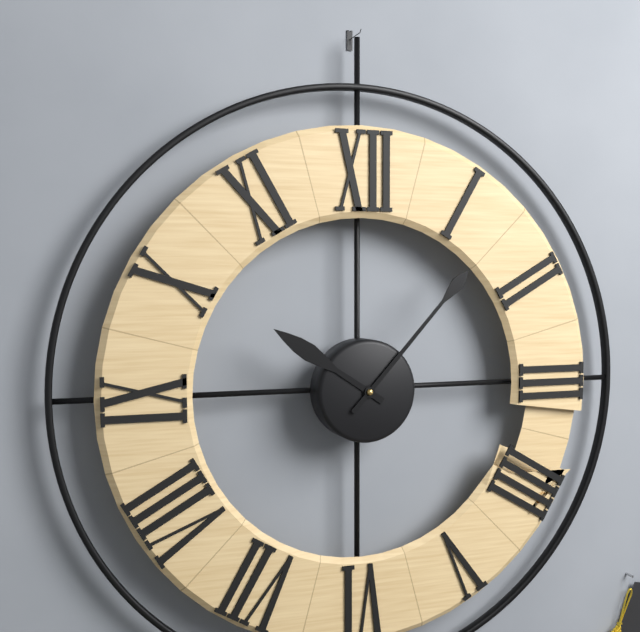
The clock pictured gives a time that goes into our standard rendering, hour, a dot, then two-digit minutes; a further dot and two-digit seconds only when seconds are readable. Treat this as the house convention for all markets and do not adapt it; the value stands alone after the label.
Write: 10.07
